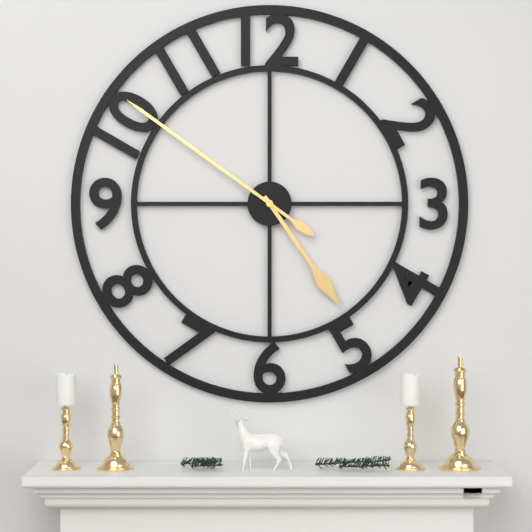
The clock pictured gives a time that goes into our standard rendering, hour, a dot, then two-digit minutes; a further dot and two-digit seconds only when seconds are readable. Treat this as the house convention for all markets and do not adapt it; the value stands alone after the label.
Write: 4.51
